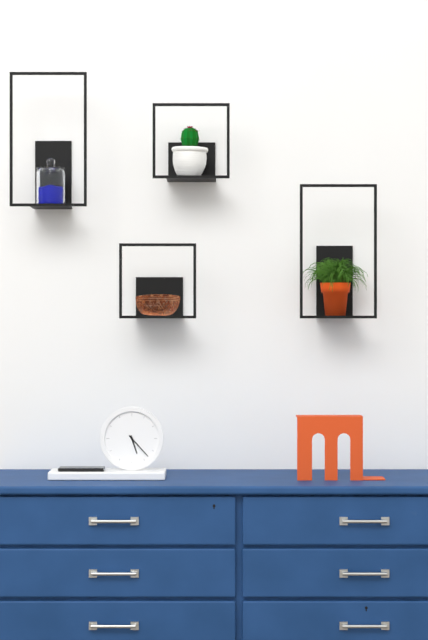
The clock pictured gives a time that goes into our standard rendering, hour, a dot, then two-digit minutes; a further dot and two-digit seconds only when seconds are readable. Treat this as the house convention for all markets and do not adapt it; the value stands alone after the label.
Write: 5.23
